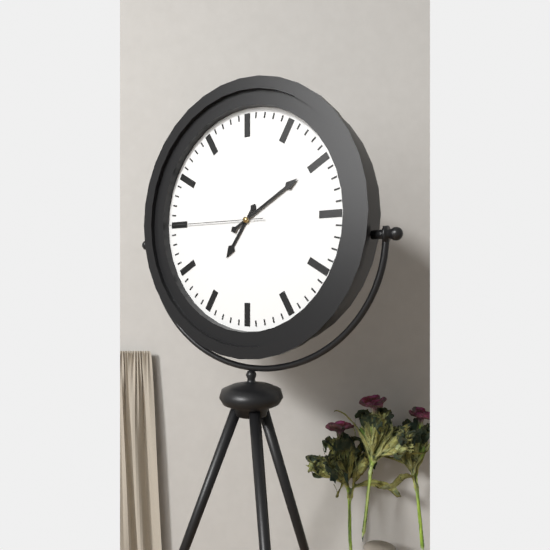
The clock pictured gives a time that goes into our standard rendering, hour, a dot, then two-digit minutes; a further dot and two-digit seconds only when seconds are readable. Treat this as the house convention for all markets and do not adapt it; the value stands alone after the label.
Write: 7.10.45
